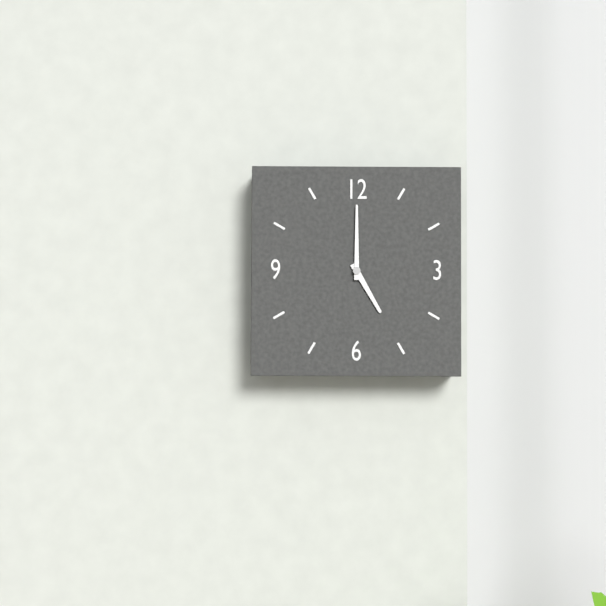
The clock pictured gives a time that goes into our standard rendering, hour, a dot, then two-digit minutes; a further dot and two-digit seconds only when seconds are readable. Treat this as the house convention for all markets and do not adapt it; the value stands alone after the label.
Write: 5.00
